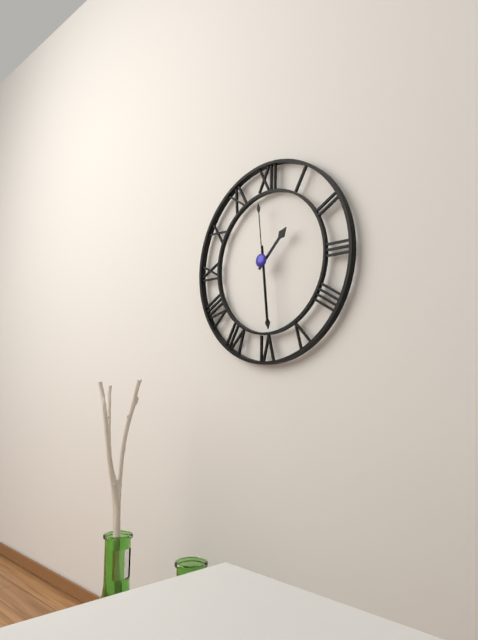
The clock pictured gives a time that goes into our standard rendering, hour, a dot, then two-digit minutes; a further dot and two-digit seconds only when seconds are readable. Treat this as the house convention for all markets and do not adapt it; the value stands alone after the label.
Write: 1.29.29
